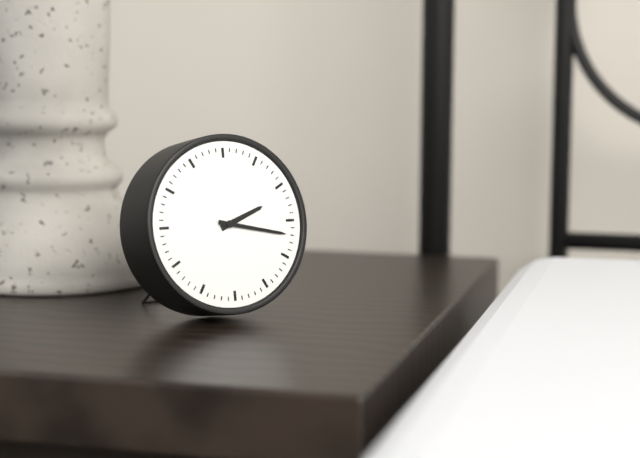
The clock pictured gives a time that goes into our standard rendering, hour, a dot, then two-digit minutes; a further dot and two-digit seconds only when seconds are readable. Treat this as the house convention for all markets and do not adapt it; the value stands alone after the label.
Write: 2.17
